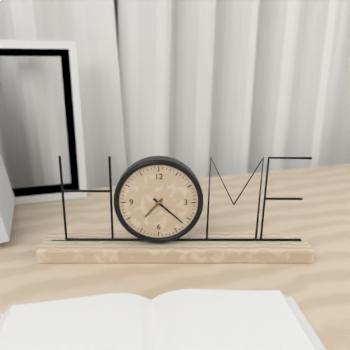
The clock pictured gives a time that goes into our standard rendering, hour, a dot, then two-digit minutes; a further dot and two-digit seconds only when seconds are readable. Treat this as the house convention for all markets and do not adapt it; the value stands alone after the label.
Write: 7.22
